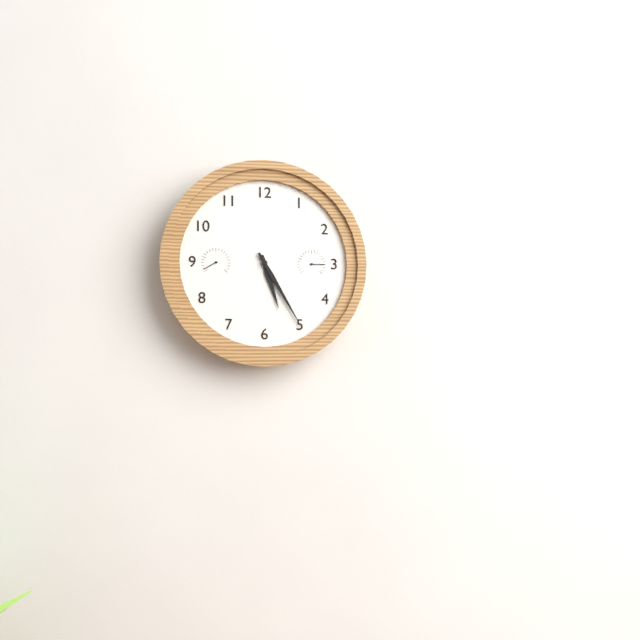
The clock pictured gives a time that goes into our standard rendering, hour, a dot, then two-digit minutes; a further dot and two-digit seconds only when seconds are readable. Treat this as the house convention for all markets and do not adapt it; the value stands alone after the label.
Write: 5.25
